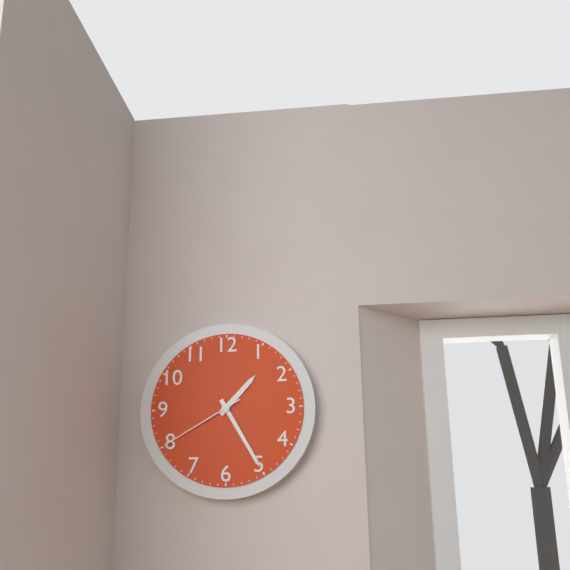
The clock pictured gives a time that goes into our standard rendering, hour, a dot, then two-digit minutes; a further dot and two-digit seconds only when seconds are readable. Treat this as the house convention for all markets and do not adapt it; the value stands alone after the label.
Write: 1.25.40
